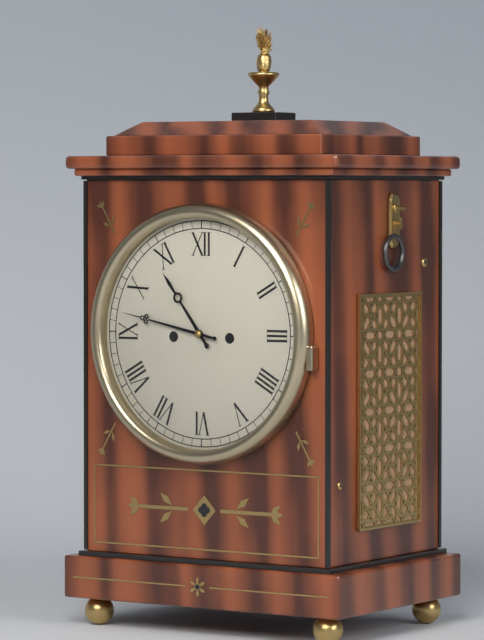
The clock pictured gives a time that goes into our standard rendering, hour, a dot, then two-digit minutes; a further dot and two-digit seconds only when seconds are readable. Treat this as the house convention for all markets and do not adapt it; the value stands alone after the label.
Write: 10.47
